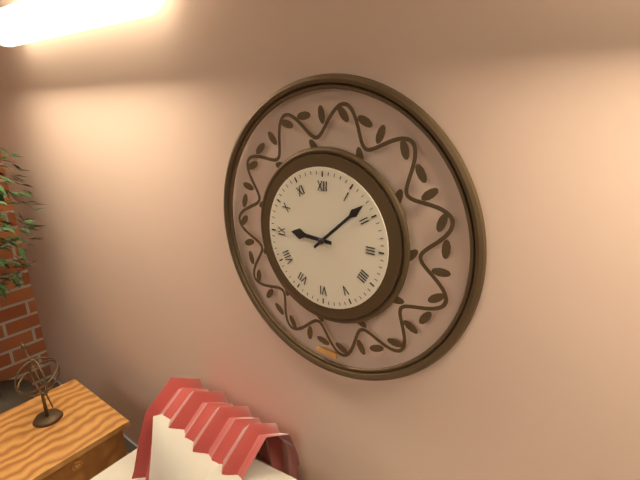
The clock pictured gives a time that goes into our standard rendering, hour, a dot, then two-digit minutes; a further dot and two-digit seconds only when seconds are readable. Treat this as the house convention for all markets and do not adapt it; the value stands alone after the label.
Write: 9.08
